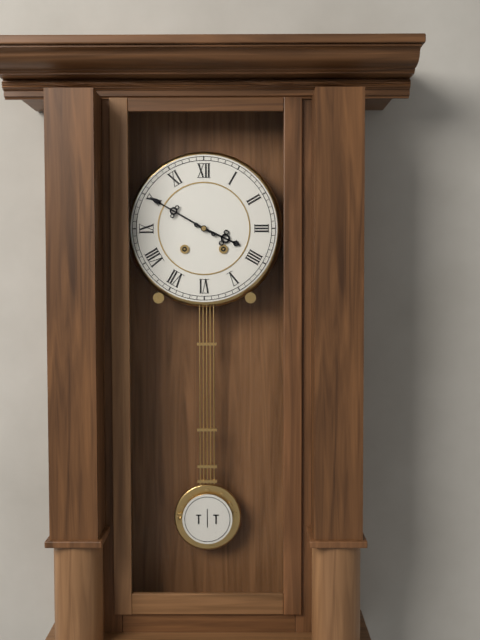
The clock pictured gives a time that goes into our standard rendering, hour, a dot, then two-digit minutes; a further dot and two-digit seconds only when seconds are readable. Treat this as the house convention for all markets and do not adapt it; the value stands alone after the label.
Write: 3.50
